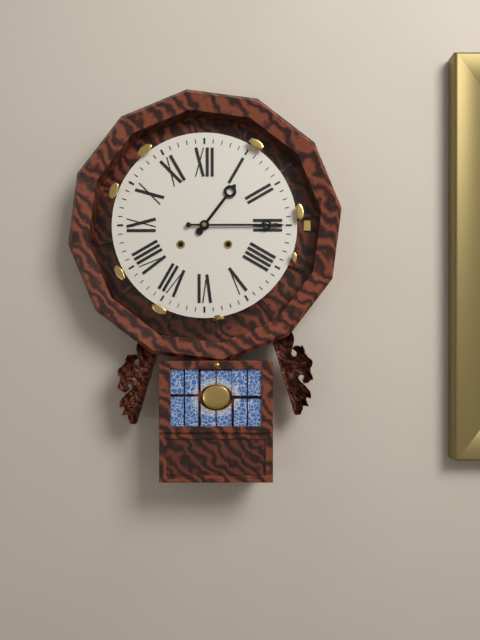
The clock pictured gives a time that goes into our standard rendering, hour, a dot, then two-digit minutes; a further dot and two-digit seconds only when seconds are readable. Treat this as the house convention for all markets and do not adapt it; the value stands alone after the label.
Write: 1.15
